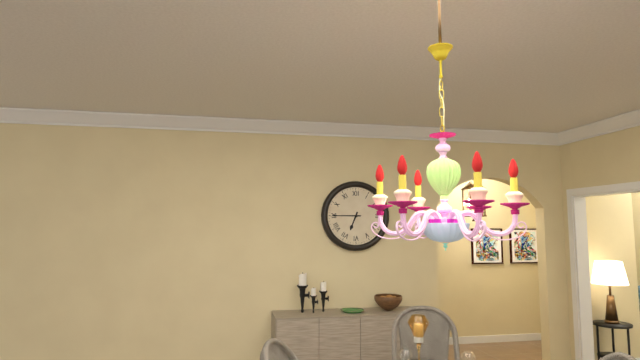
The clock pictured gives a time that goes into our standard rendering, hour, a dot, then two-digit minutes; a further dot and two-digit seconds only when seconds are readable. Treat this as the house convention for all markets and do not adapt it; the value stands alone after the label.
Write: 6.45
